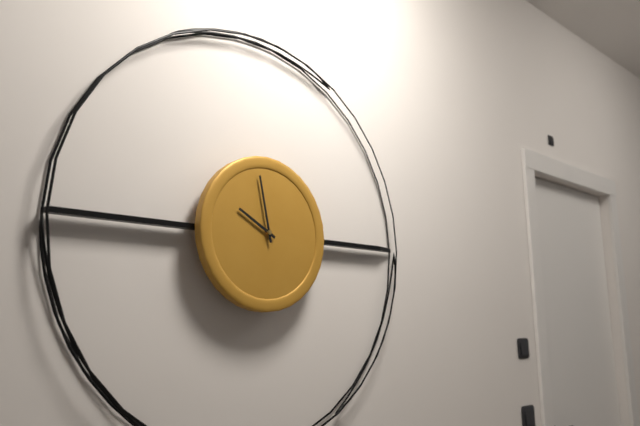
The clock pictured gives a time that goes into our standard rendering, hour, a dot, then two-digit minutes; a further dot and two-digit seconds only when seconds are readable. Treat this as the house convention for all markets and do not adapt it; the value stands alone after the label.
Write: 9.58
